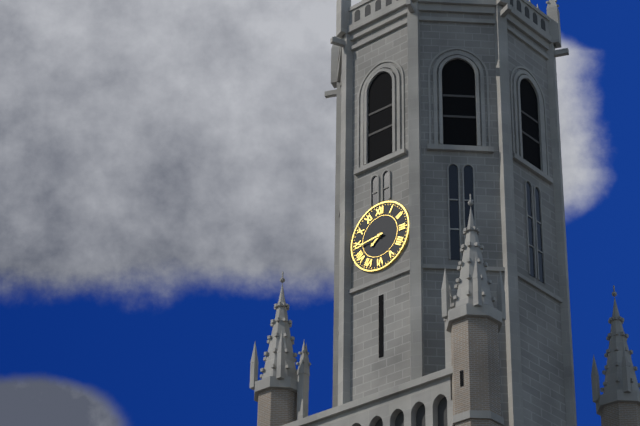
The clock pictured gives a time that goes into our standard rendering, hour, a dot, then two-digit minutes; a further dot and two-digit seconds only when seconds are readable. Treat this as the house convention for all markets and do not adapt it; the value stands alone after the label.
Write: 7.44
